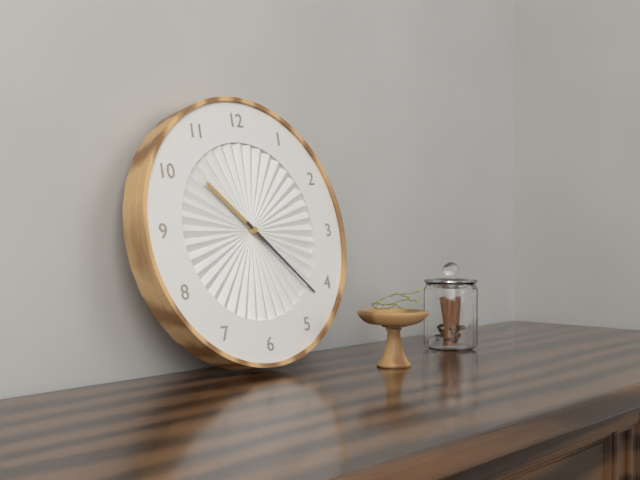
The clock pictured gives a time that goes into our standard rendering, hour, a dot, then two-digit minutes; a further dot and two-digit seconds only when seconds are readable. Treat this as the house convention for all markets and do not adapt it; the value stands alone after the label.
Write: 10.22
